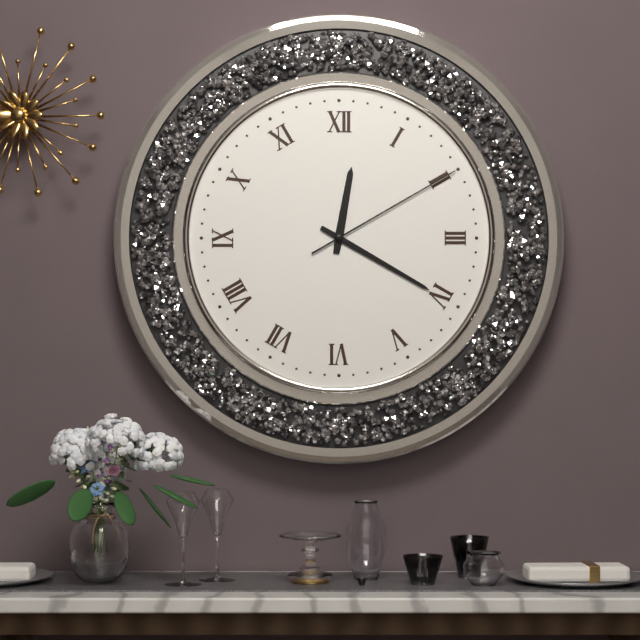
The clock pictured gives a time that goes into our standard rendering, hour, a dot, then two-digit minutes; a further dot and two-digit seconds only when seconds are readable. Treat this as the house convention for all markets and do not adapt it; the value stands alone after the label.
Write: 12.20.10
